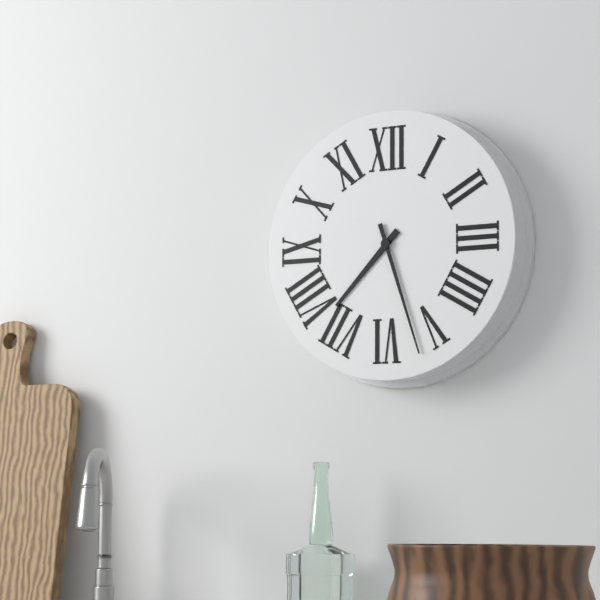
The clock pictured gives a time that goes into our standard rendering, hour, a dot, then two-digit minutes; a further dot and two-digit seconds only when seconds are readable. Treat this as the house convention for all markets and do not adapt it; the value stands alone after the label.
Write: 7.27
